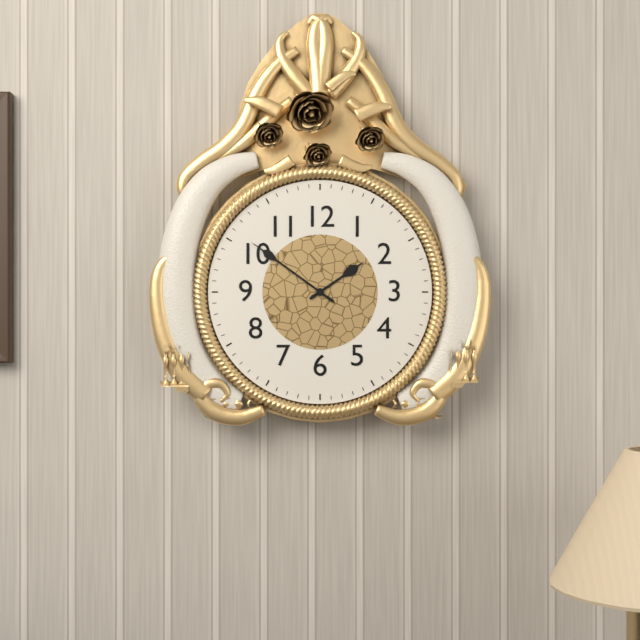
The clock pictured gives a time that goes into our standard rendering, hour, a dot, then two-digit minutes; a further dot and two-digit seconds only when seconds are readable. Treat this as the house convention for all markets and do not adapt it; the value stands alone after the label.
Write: 1.51
